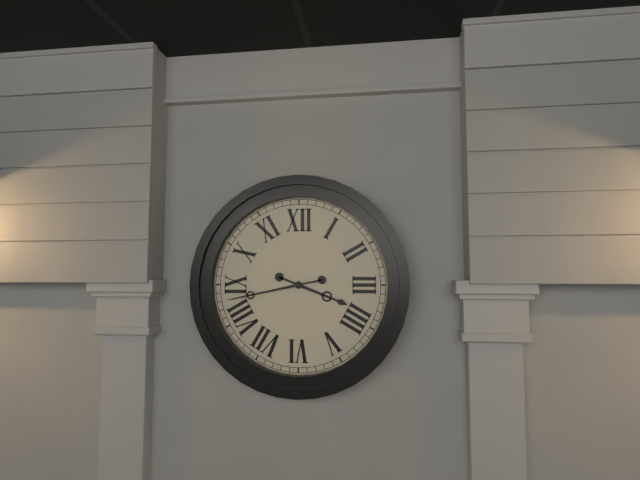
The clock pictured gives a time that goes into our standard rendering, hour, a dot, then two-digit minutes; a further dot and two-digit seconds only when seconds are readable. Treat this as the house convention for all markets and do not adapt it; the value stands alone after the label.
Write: 3.43
